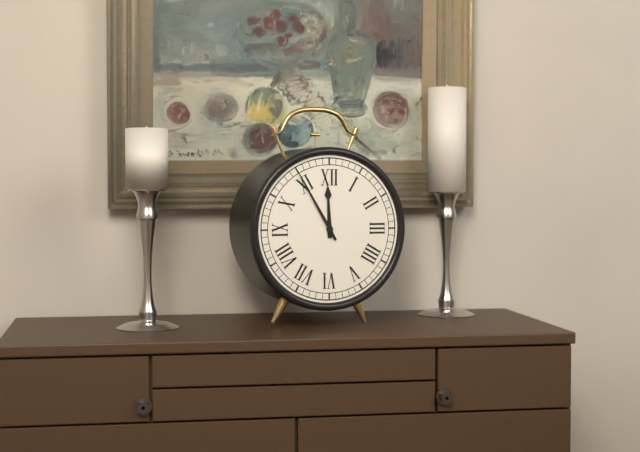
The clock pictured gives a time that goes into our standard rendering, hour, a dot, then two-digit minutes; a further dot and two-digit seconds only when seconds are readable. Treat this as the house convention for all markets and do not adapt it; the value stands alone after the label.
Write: 11.55
